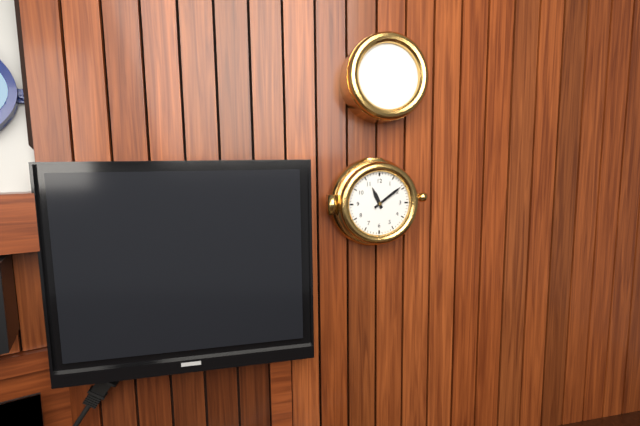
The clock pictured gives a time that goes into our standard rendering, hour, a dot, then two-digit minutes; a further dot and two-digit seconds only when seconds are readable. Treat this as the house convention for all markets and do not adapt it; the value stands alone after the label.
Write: 11.09
